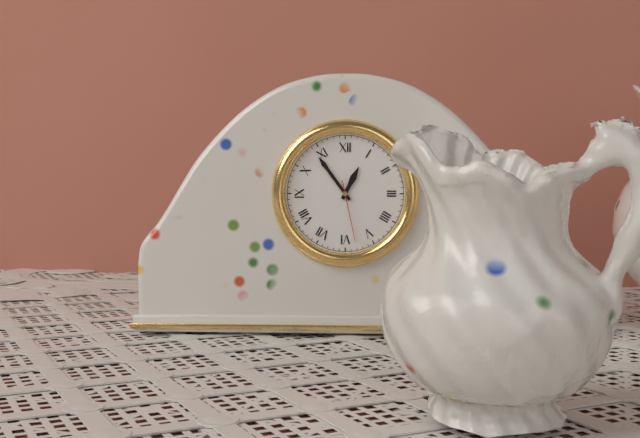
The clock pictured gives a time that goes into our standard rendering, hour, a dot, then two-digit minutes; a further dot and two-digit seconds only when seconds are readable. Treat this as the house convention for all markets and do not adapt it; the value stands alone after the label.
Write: 12.54.28
